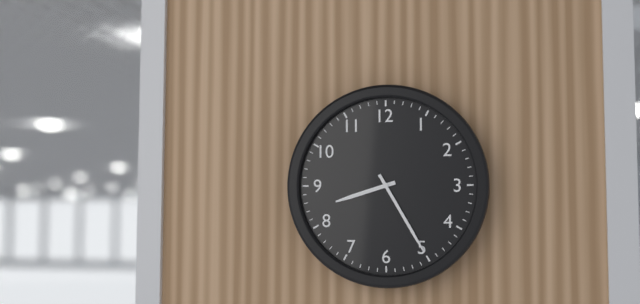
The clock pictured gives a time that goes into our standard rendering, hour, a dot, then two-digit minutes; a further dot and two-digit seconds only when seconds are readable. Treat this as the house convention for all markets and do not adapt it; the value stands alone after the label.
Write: 8.25
